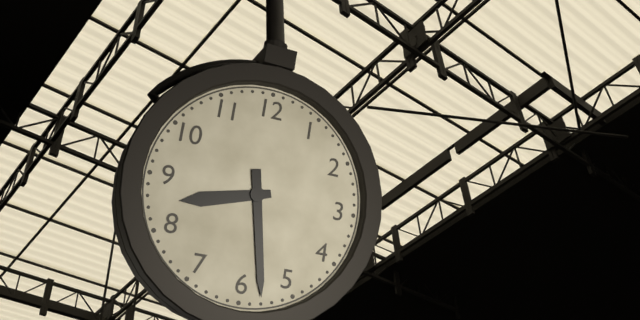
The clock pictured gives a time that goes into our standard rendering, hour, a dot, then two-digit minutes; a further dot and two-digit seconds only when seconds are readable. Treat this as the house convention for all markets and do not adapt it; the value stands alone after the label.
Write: 8.28
